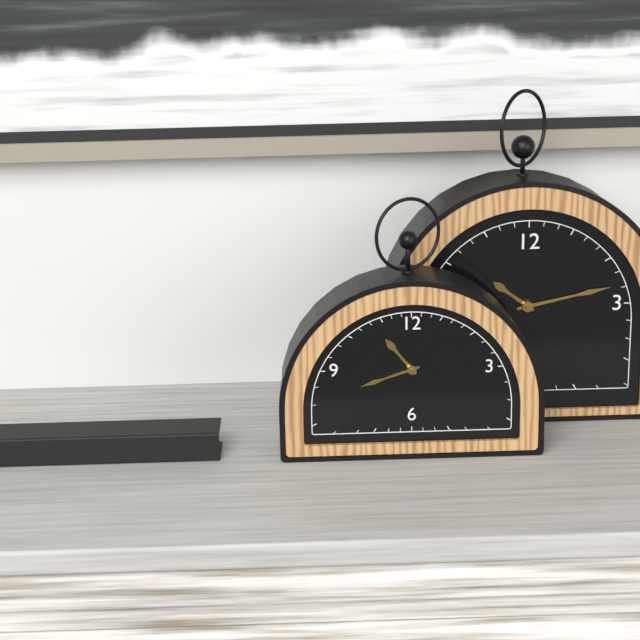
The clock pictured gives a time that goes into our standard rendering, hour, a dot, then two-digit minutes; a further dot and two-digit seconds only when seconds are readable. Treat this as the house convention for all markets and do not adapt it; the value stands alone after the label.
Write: 10.42
